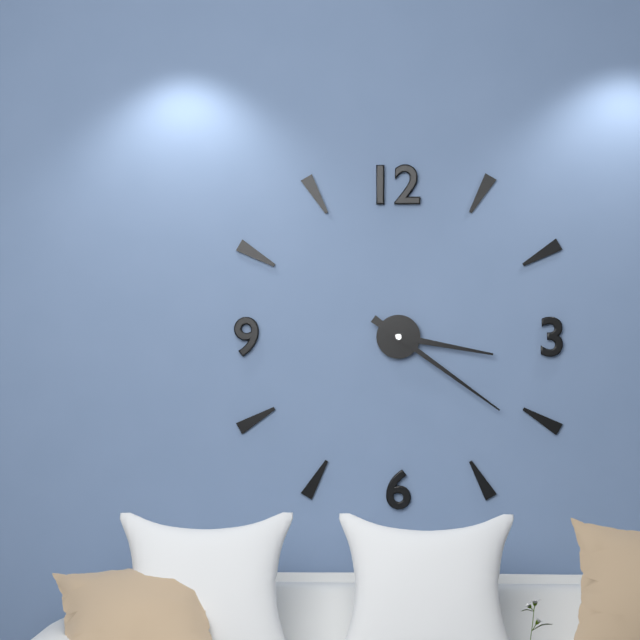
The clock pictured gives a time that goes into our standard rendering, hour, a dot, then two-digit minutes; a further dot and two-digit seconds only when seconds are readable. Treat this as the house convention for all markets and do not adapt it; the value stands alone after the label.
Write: 3.21
